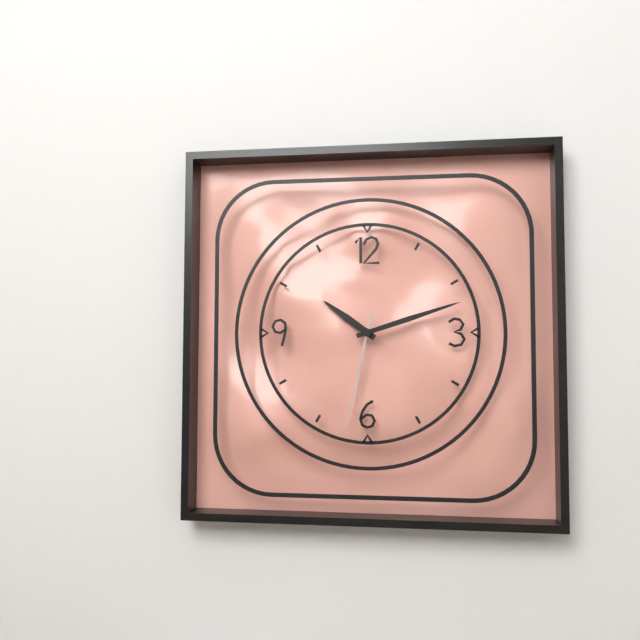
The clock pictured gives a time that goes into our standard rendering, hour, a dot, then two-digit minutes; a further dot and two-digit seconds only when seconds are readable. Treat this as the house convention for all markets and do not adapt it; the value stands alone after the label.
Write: 10.12.32
